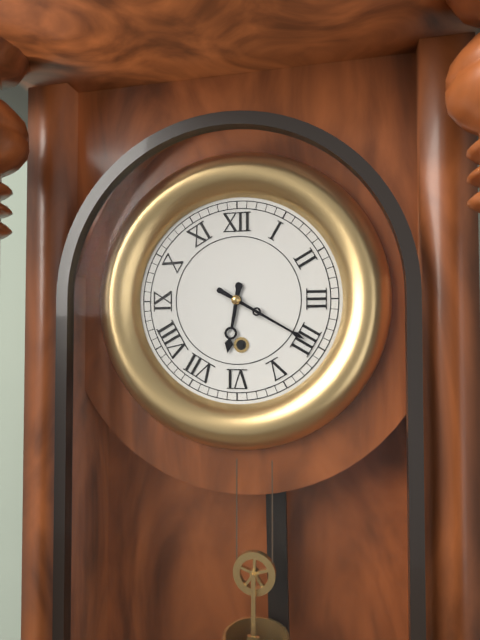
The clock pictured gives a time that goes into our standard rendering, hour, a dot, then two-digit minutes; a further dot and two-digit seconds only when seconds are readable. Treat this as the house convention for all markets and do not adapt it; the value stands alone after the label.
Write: 6.20
